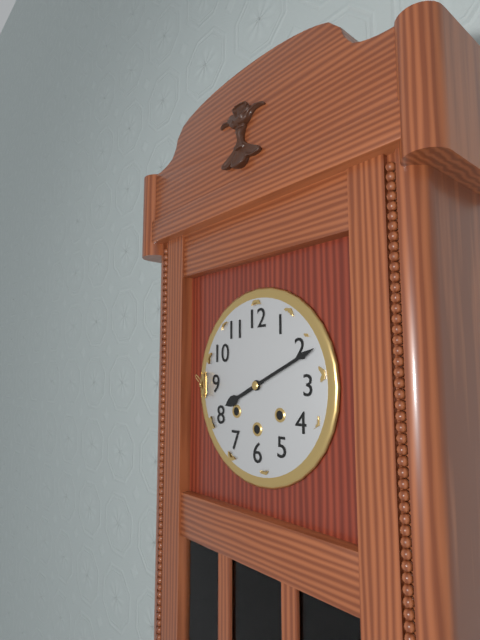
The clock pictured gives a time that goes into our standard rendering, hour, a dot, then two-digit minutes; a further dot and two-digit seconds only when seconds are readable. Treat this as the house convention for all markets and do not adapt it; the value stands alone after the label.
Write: 8.11
